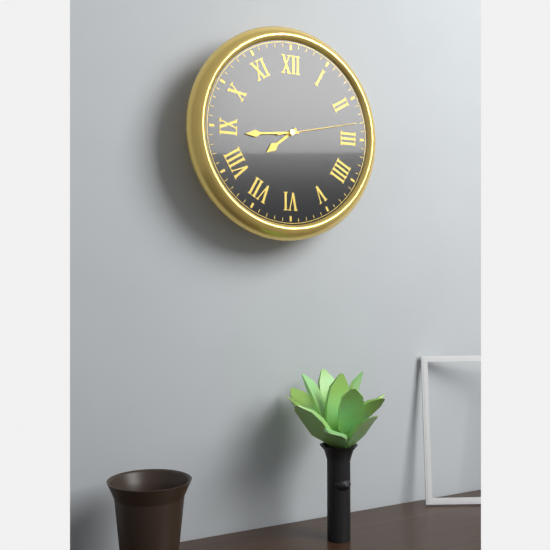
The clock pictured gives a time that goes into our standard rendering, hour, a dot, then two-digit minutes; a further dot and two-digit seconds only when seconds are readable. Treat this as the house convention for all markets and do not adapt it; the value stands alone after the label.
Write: 7.44.13
